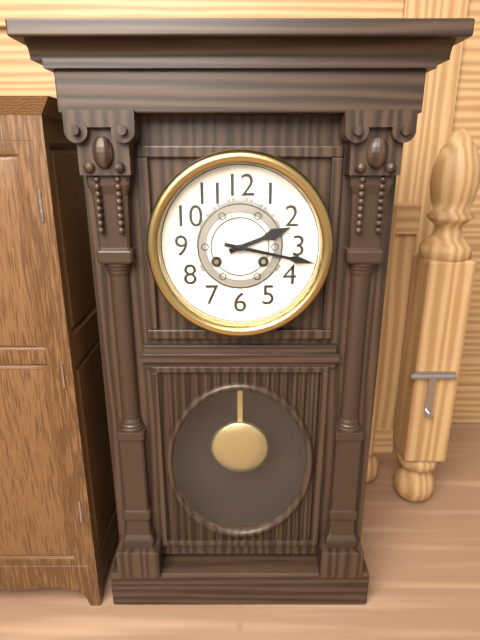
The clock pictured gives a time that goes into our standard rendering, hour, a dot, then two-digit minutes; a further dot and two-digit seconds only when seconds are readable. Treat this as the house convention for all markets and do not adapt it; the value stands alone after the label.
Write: 2.17
